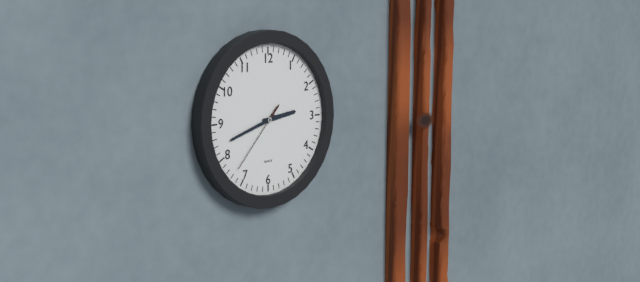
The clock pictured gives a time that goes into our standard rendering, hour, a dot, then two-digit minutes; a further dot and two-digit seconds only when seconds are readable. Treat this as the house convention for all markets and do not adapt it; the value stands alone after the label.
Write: 2.42.37
